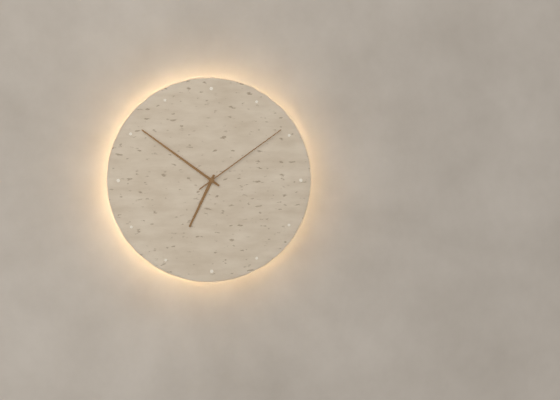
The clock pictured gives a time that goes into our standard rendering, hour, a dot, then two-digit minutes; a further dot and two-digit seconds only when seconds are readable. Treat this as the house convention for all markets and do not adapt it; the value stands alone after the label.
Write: 6.51.09
